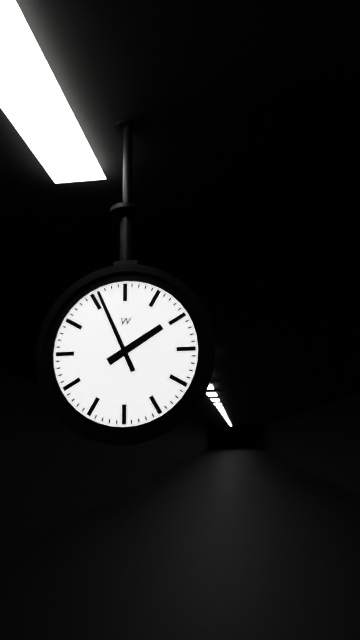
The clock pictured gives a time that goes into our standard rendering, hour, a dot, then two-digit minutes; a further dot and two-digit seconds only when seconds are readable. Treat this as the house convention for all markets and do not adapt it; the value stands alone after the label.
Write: 1.56
